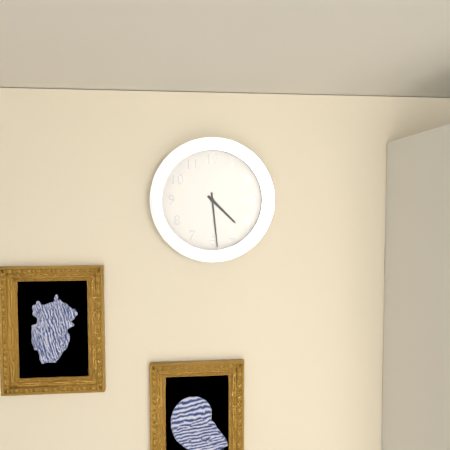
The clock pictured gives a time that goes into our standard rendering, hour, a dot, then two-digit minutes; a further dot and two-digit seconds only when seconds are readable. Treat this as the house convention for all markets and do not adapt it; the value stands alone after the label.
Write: 4.29
